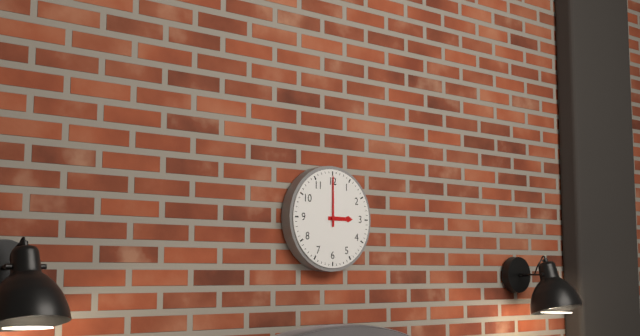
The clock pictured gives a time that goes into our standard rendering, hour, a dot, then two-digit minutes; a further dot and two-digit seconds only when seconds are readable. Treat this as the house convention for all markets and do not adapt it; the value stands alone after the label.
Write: 3.00
